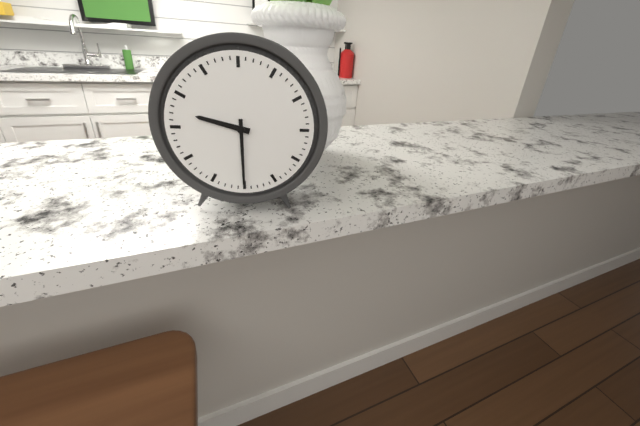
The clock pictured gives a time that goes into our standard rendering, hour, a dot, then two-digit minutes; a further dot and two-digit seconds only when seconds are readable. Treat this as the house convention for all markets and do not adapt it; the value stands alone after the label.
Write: 9.30
